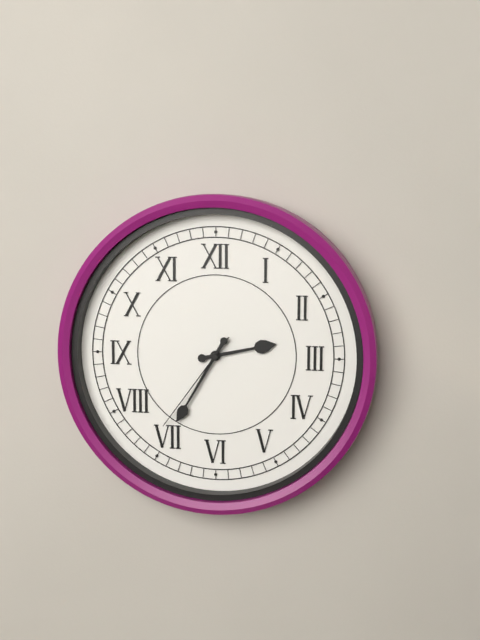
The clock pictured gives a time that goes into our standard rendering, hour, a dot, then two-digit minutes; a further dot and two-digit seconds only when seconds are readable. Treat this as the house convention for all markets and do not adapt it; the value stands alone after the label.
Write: 2.35.36
